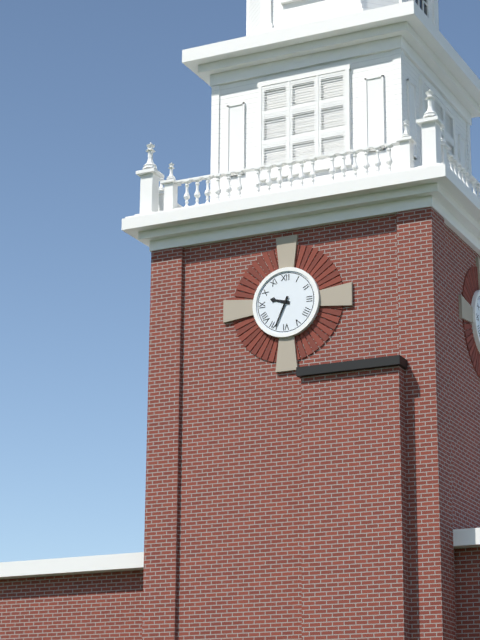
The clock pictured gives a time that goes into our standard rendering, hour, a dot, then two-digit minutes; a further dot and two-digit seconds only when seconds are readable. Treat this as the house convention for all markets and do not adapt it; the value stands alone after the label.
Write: 9.34
